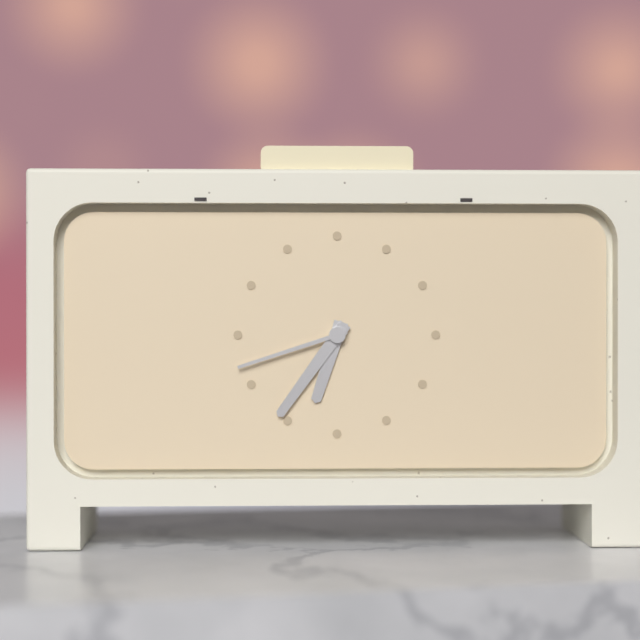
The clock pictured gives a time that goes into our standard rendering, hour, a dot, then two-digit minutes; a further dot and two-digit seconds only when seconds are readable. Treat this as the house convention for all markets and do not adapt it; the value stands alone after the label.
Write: 6.36.42
